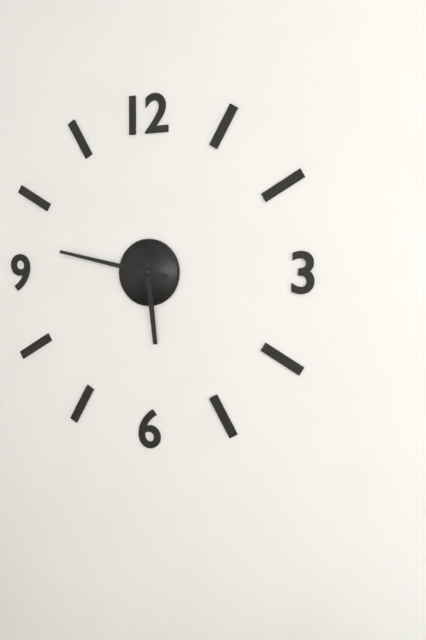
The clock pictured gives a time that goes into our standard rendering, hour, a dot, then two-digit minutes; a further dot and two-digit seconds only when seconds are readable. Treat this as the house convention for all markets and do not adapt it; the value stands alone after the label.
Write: 5.47
